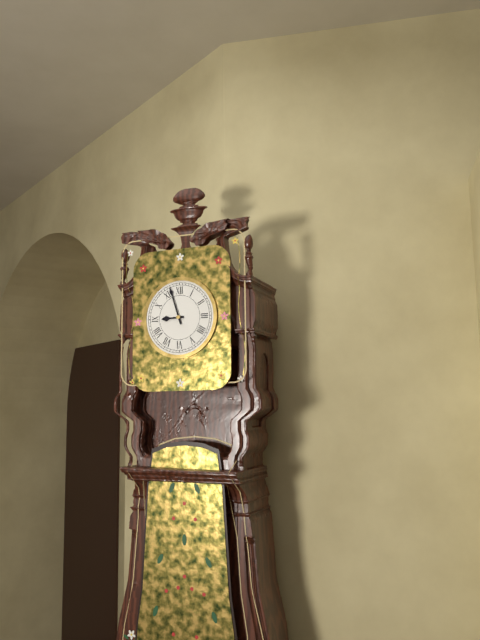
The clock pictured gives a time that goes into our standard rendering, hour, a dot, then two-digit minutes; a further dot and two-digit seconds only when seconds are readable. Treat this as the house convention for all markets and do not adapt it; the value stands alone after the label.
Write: 8.57
